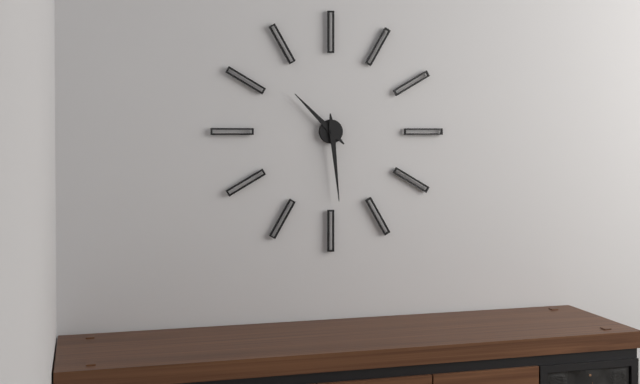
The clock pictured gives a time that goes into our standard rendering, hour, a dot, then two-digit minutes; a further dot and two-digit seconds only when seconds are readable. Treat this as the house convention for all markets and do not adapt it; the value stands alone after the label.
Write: 10.29
